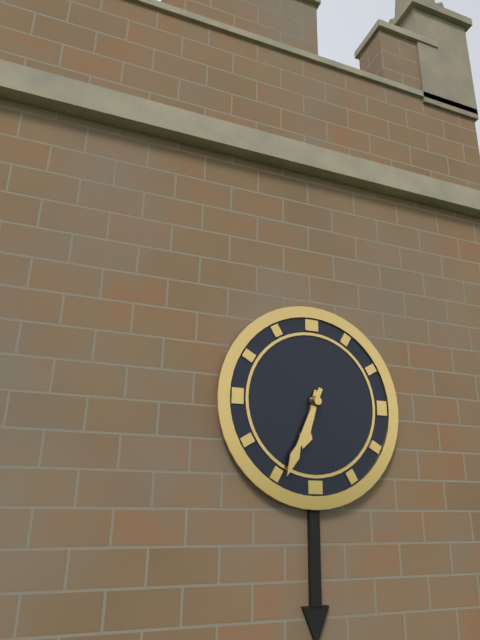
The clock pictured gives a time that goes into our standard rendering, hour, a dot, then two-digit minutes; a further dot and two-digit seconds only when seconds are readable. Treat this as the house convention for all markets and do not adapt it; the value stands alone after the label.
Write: 6.34
